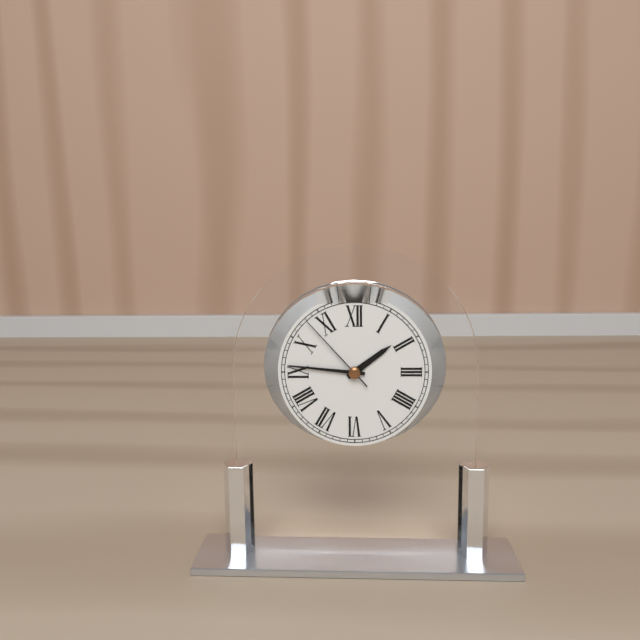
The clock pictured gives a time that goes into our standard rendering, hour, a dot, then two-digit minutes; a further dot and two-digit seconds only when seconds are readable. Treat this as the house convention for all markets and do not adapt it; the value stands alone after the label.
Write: 1.46.53
